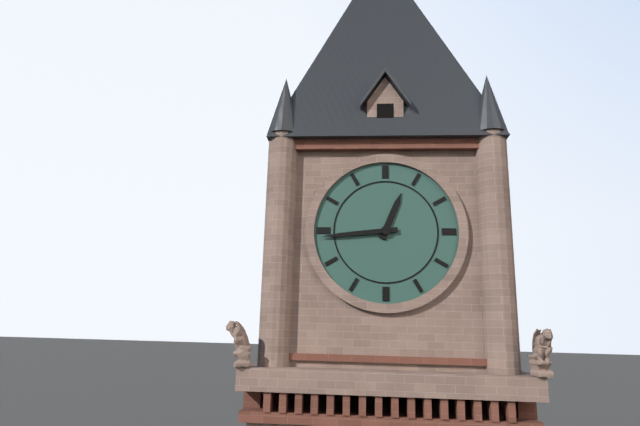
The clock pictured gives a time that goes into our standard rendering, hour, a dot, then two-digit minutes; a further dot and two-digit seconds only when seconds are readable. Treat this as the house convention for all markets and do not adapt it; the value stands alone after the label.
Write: 12.44
